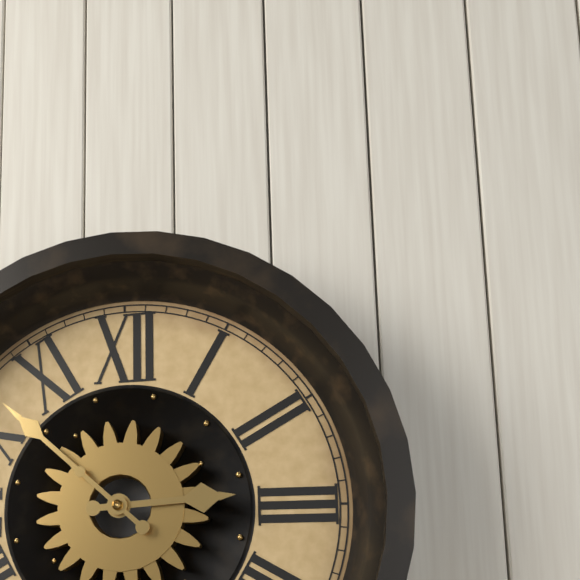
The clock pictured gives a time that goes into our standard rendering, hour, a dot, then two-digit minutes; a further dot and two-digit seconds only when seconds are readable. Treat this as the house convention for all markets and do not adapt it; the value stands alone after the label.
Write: 2.52
